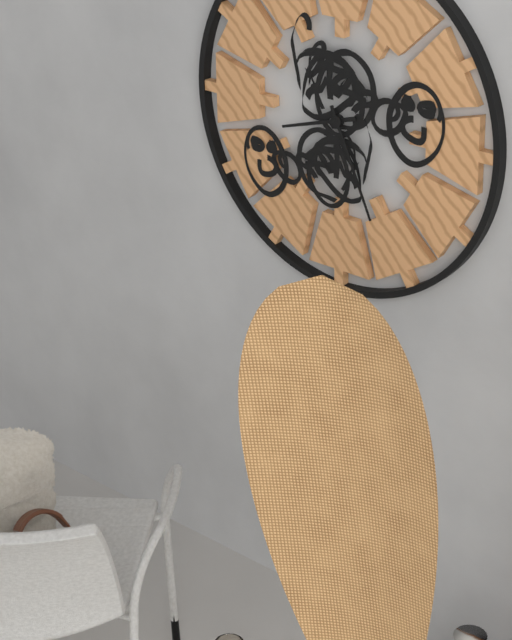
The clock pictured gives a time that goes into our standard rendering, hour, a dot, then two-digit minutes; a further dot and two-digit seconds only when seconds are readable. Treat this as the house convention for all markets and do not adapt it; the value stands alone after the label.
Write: 8.26
